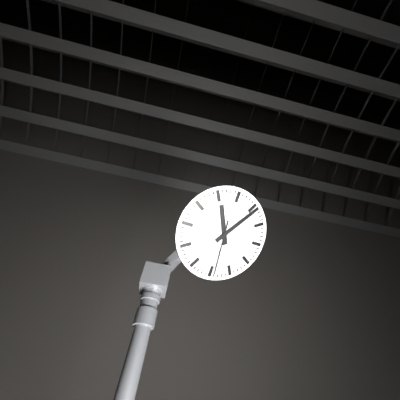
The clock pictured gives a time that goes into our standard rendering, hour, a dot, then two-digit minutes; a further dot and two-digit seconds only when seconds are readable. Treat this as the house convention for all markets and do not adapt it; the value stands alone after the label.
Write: 11.06.29
